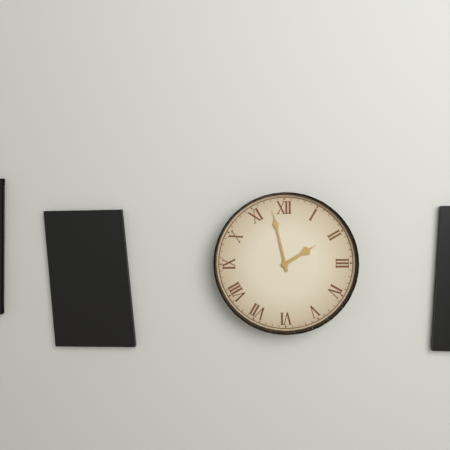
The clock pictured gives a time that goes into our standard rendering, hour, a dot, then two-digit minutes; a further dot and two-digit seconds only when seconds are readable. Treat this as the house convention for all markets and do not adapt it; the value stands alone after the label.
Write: 1.58
